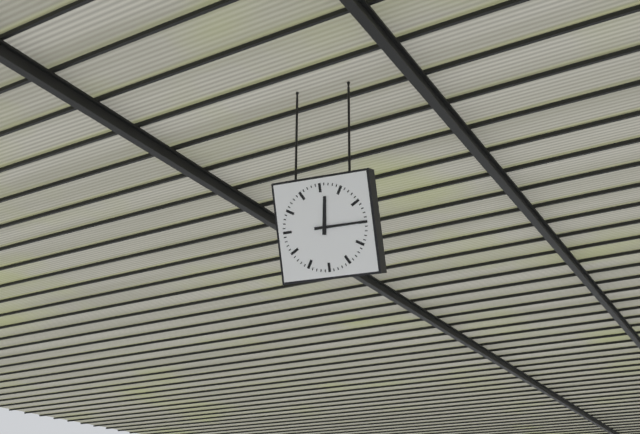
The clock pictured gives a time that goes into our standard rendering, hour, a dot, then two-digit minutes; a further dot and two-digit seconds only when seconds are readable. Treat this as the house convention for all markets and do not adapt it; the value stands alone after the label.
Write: 12.15
